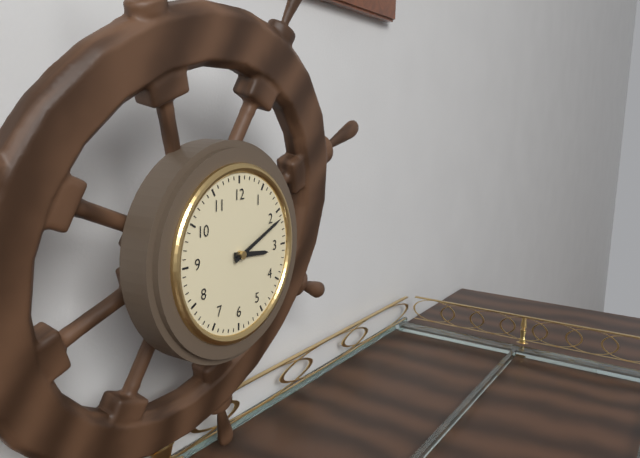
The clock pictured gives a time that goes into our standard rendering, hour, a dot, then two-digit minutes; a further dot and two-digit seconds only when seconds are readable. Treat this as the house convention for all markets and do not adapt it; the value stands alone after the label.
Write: 3.11
